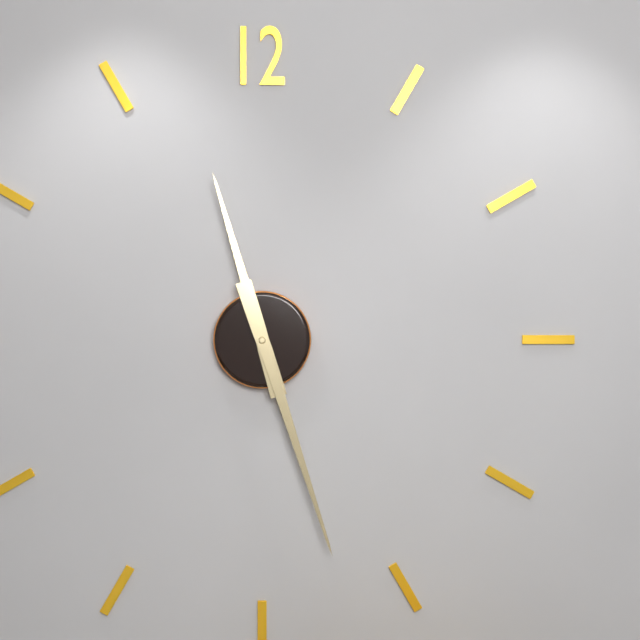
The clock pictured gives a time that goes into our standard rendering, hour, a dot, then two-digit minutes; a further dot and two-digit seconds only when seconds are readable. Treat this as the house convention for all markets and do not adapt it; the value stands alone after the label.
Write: 11.27
